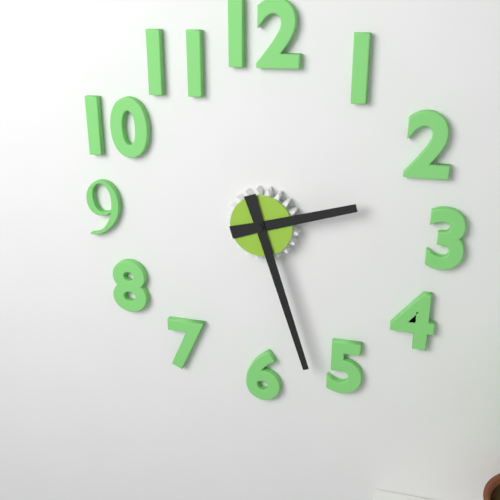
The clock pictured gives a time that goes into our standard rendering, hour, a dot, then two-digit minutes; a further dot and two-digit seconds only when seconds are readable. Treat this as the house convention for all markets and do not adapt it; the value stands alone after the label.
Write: 2.27
